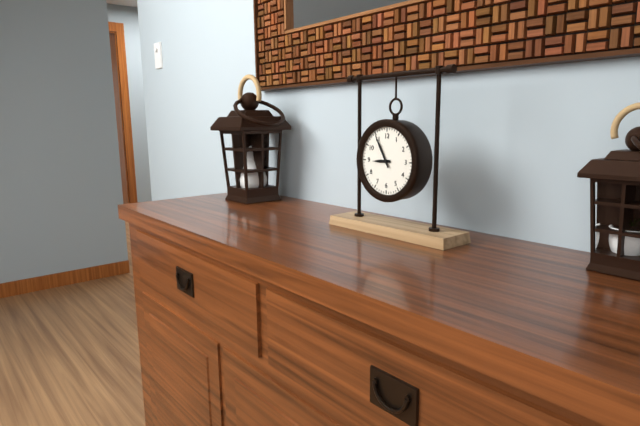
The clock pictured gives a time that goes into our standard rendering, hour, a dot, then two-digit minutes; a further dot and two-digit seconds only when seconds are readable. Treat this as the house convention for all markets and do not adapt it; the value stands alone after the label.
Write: 8.55
